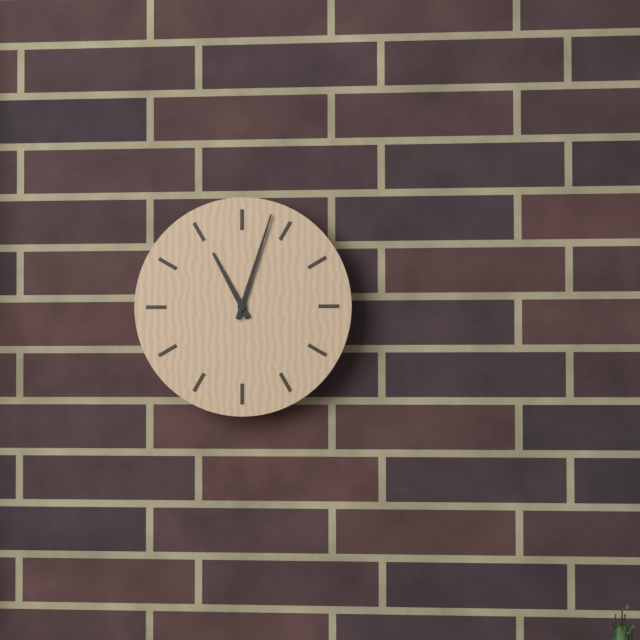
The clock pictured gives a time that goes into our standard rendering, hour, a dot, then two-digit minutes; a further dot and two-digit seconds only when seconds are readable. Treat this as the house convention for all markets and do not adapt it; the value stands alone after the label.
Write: 11.03
